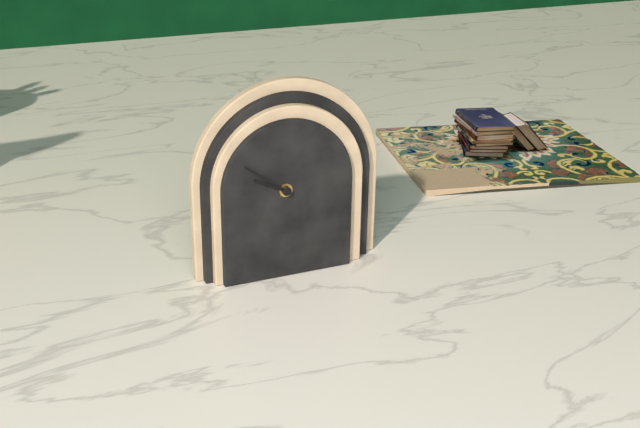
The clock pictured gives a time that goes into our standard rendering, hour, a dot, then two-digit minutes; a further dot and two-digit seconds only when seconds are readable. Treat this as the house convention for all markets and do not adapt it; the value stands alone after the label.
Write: 9.51
